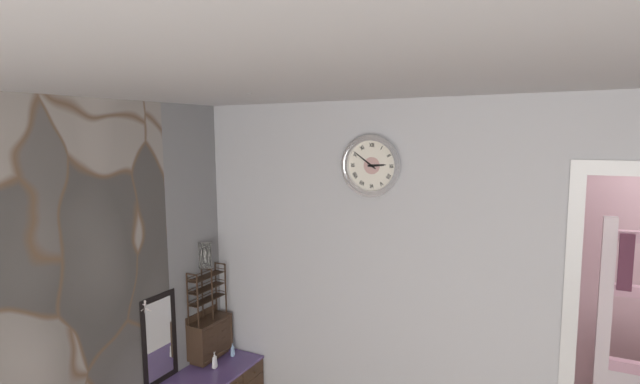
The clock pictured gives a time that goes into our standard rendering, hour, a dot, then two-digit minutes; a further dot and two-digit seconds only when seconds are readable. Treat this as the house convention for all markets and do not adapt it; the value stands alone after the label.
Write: 2.51
